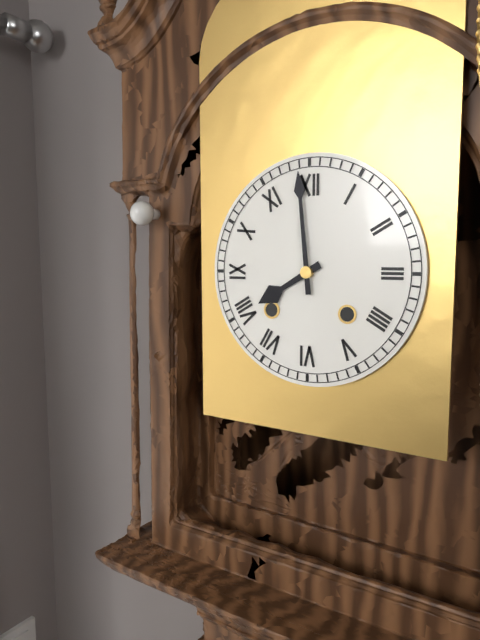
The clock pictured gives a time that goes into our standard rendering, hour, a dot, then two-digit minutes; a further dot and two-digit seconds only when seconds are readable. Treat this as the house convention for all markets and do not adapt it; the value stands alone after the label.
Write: 7.59
